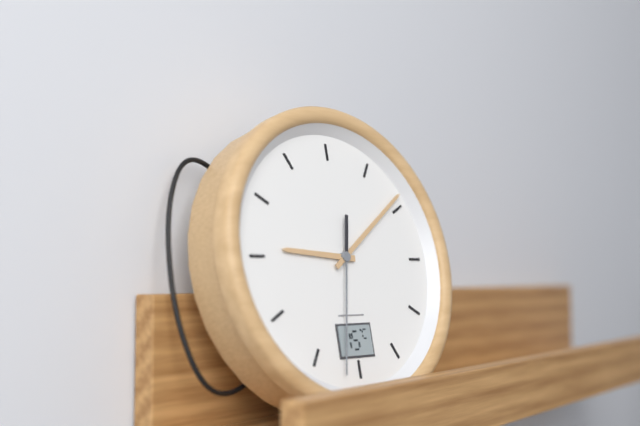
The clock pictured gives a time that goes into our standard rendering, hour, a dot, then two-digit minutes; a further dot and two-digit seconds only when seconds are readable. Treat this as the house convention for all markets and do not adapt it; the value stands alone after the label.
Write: 9.09.32
